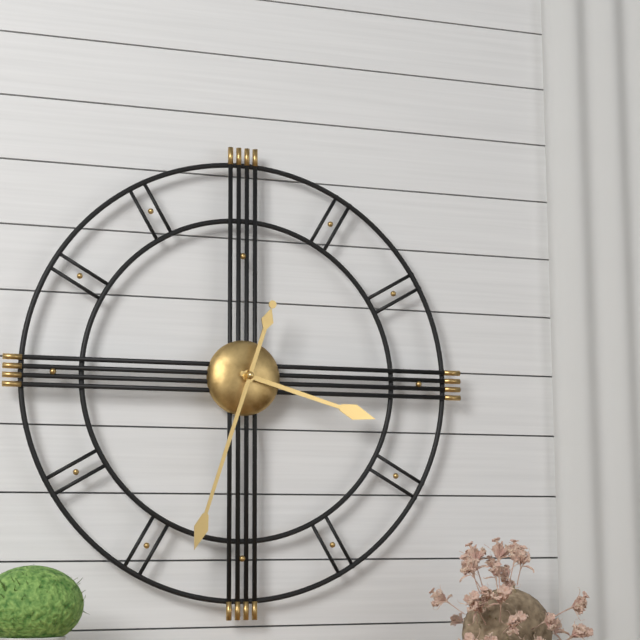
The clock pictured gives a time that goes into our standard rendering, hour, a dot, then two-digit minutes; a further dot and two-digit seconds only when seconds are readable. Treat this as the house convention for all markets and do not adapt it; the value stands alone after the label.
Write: 3.33
